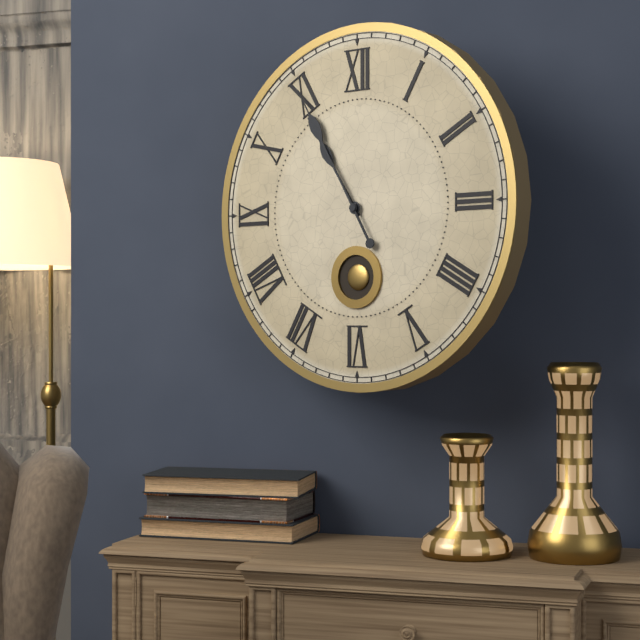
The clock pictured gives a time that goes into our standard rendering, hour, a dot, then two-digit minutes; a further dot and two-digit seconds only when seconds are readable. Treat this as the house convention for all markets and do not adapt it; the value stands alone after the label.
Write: 10.55
